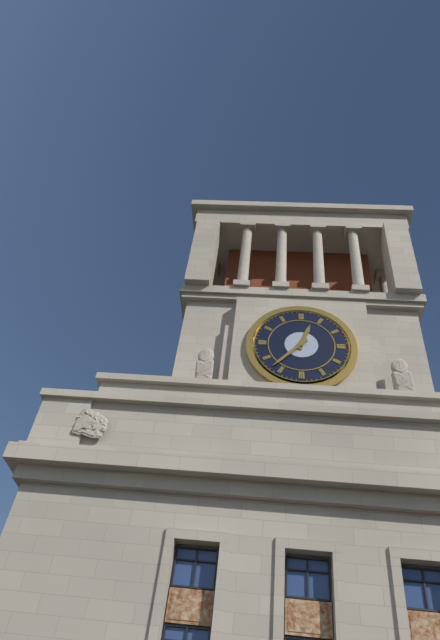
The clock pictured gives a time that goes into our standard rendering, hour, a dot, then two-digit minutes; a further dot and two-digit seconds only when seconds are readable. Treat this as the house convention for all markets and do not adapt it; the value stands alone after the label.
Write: 12.37
